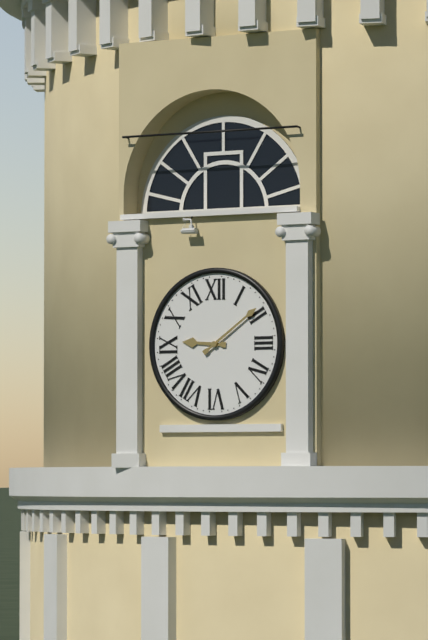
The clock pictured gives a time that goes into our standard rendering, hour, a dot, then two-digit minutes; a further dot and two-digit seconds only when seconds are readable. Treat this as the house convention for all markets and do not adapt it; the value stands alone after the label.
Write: 9.09
